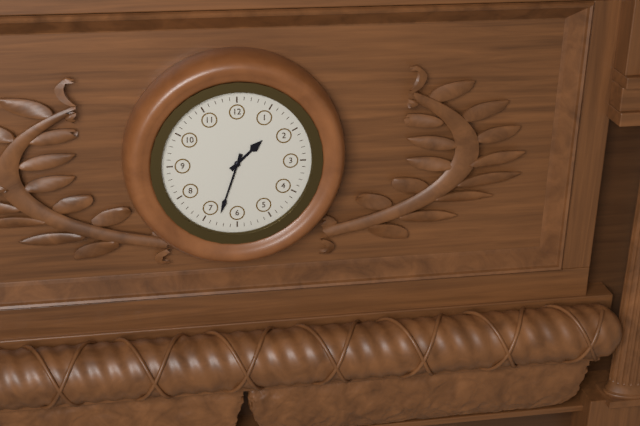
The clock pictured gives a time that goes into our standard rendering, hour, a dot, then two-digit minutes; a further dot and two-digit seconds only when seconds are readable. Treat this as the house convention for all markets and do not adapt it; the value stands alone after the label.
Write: 1.33
